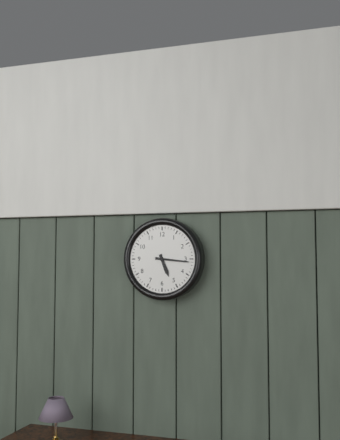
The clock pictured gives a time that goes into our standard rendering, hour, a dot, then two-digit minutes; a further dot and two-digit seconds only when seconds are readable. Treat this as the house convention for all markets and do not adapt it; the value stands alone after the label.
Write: 5.16
